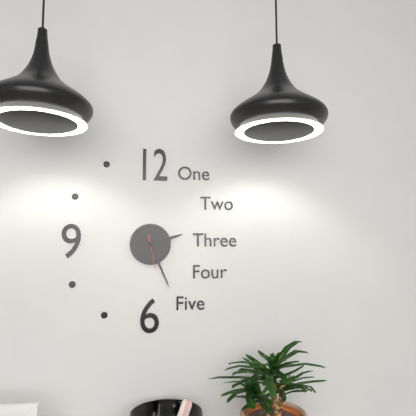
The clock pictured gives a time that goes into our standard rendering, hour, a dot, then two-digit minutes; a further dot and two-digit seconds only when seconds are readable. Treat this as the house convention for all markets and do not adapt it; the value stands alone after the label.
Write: 2.26
